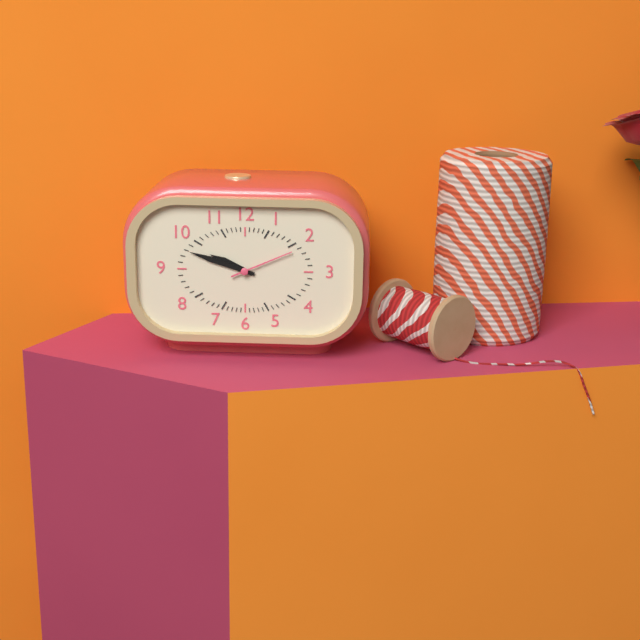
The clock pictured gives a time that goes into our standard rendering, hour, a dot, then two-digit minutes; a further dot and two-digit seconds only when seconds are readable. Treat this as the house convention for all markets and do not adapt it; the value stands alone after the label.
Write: 9.48.11
